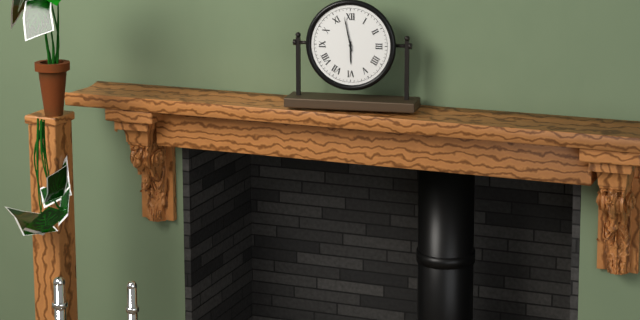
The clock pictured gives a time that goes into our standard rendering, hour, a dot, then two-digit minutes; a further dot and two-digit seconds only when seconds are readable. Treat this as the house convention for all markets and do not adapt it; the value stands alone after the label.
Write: 5.58
